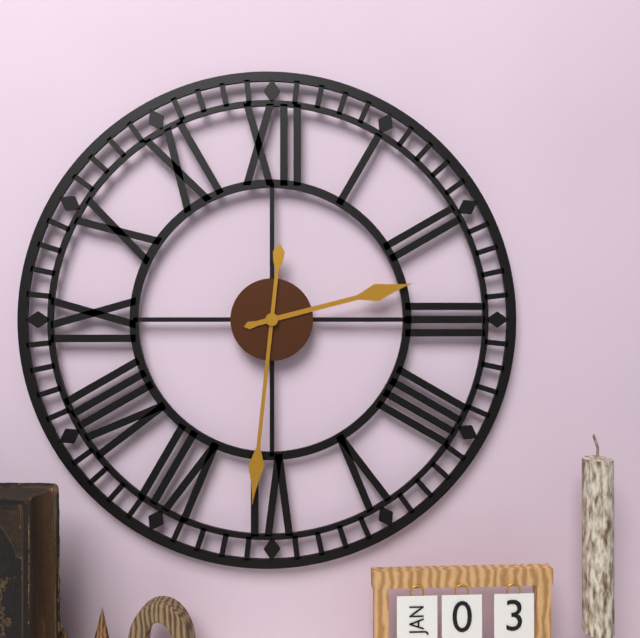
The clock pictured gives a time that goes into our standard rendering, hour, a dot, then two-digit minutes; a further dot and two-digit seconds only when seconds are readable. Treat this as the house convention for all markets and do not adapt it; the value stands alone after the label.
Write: 2.31
